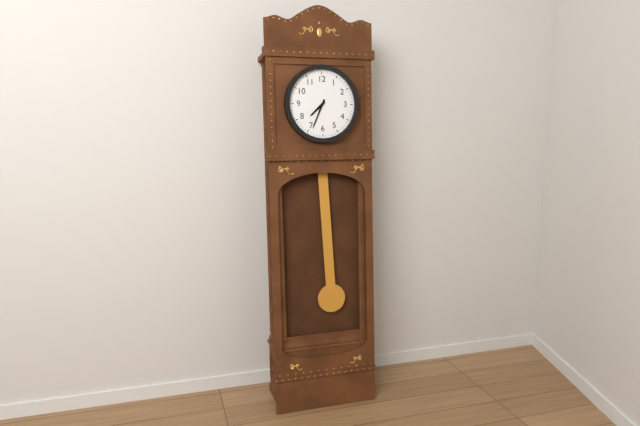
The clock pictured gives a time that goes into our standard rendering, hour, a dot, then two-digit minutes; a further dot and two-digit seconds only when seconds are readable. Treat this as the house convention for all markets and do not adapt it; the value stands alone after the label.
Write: 7.34
